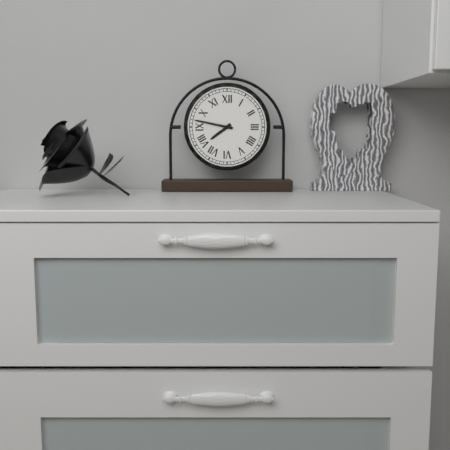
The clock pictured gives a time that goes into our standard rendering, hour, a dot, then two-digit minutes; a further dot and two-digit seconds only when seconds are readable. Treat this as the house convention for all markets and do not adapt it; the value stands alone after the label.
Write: 7.47
